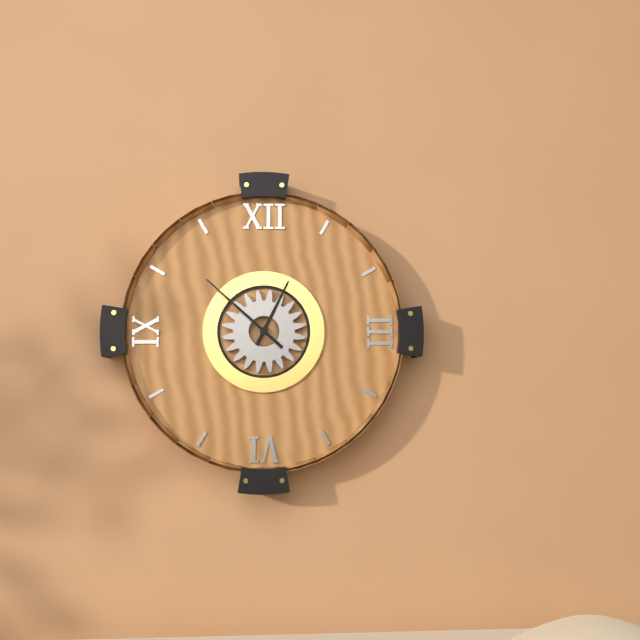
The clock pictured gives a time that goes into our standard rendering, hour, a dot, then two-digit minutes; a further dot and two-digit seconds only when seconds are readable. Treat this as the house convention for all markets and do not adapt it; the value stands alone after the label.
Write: 12.52
